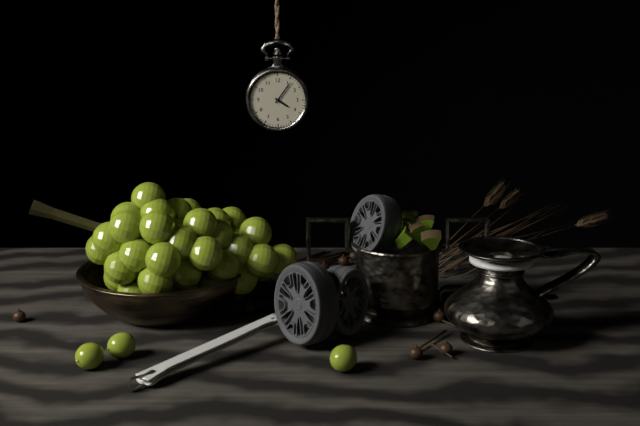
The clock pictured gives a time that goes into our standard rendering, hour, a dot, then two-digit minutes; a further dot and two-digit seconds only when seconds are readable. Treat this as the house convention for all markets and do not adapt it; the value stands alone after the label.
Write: 4.06
